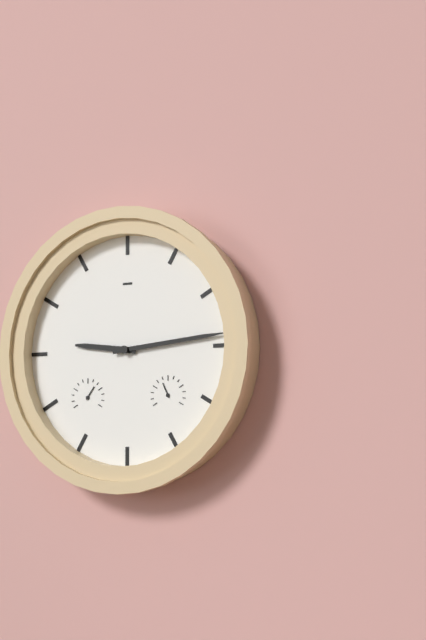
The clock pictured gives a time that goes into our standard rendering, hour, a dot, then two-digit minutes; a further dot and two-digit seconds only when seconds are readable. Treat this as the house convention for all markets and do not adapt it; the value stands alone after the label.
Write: 9.14
